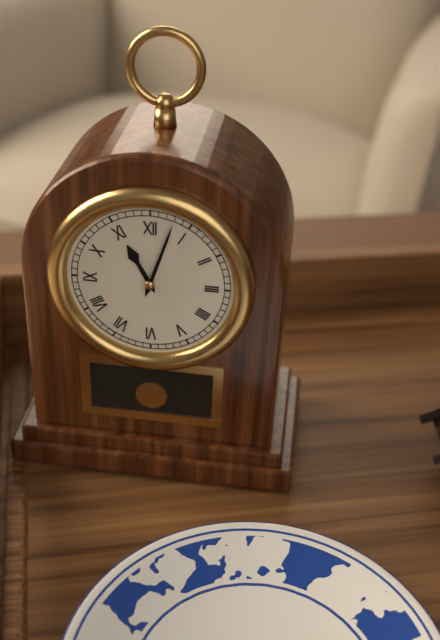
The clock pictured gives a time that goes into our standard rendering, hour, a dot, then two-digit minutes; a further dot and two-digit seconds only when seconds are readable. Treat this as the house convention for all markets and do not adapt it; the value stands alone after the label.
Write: 11.03
